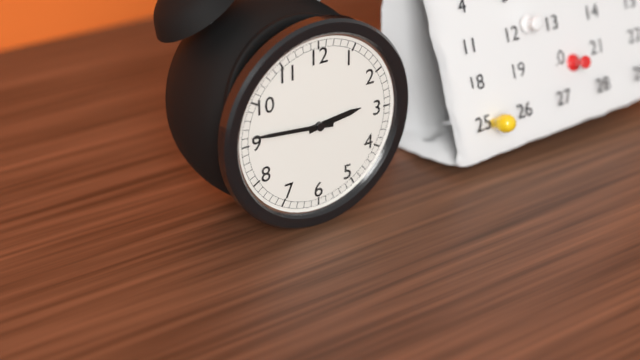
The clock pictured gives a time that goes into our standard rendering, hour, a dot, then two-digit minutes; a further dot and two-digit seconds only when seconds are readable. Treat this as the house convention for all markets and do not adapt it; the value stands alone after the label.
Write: 2.46
